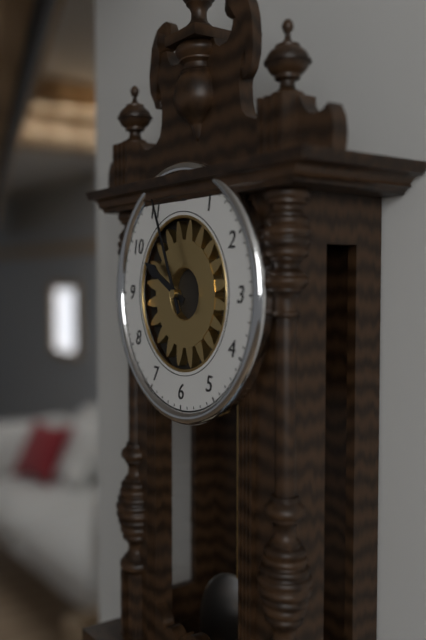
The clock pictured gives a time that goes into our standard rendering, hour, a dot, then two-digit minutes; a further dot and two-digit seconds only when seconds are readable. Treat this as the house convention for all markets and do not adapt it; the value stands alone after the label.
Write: 9.56
